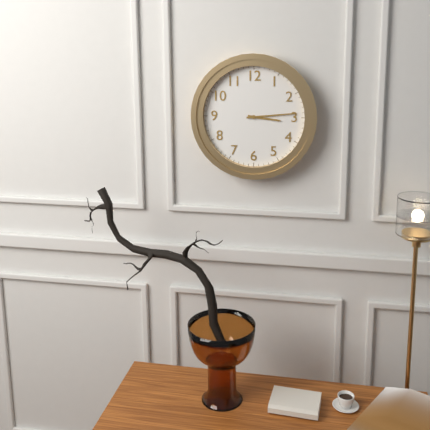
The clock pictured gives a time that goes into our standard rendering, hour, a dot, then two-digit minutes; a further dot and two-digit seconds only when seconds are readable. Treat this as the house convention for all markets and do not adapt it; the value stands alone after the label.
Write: 3.14
